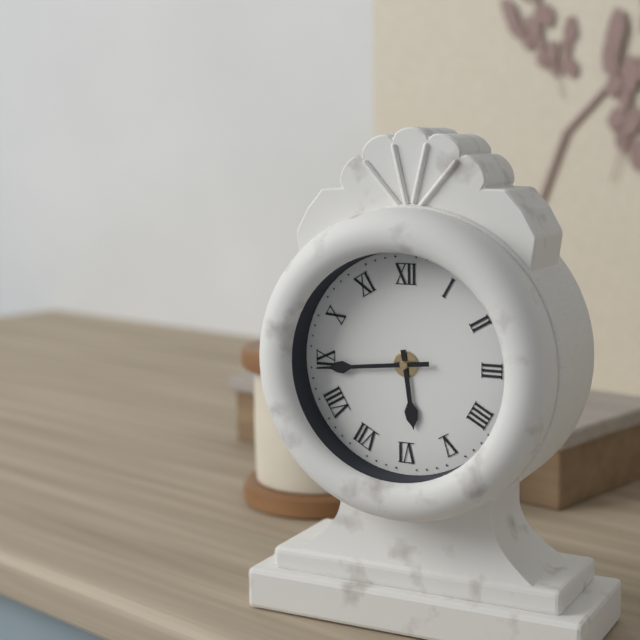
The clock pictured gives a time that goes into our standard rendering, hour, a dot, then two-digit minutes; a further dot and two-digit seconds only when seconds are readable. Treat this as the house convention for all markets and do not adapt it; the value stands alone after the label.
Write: 5.44
